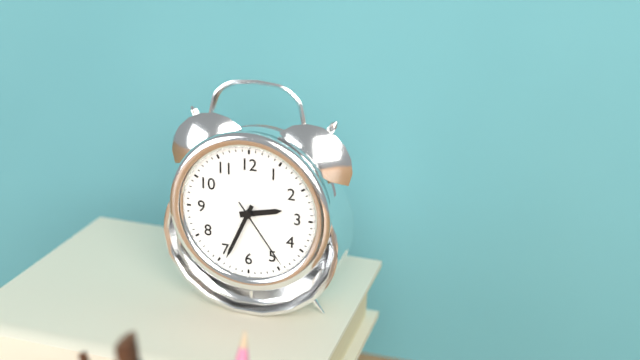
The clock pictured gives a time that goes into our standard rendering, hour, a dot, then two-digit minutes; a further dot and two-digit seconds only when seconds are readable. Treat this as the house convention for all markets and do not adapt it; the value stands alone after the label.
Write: 2.34.24
